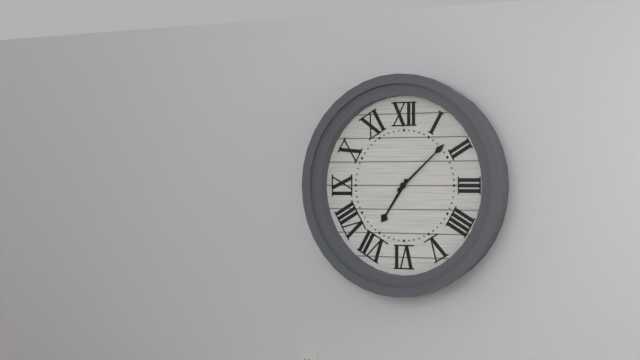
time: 7:08
